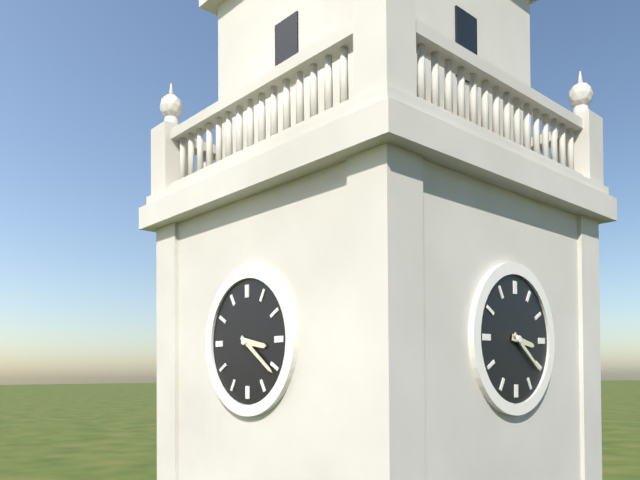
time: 3:21
